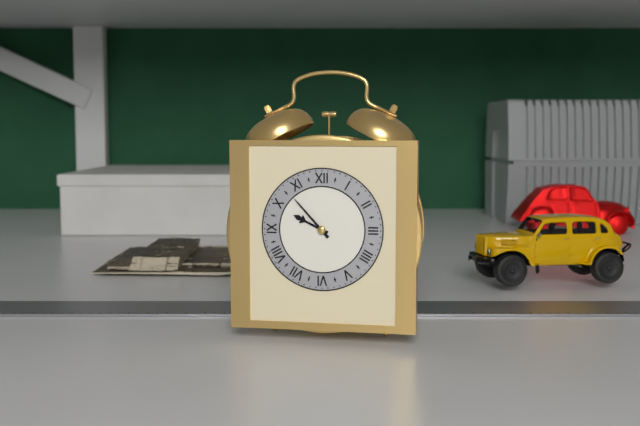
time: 9:53
